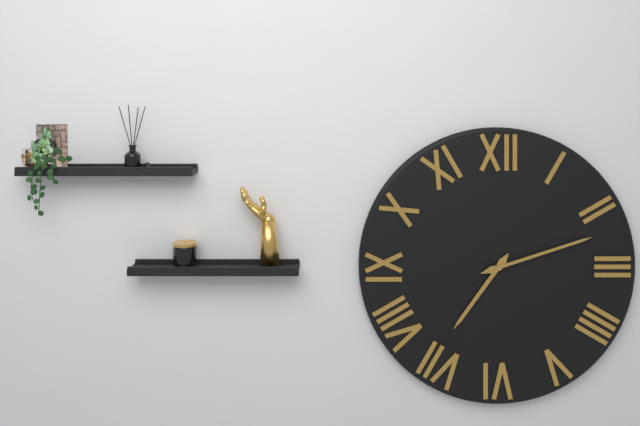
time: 7:12
